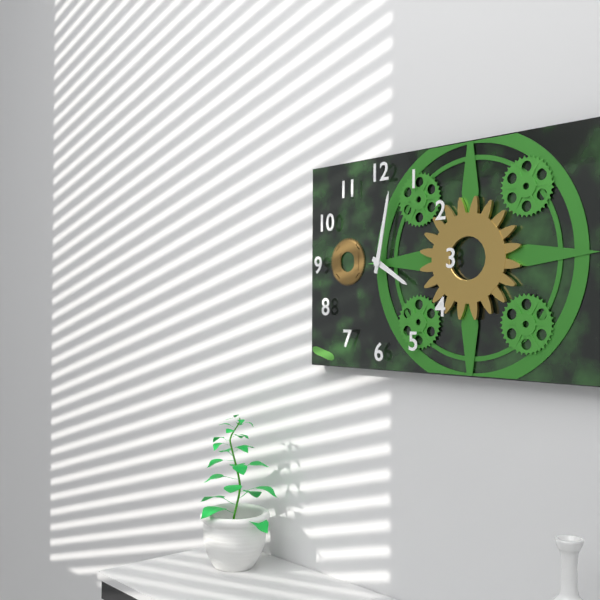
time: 4:02
